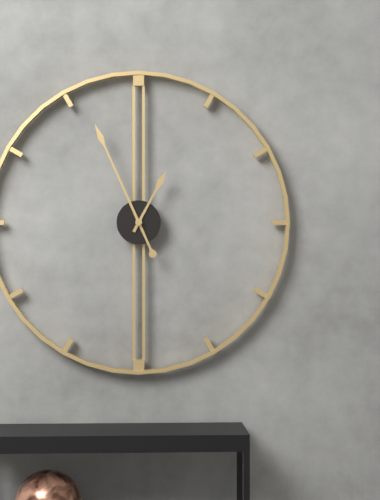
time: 12:56
